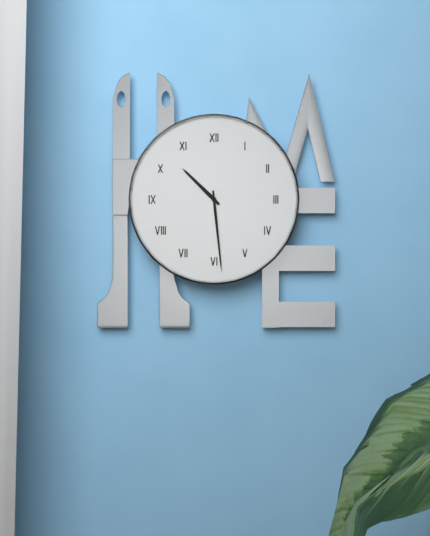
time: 10:29
